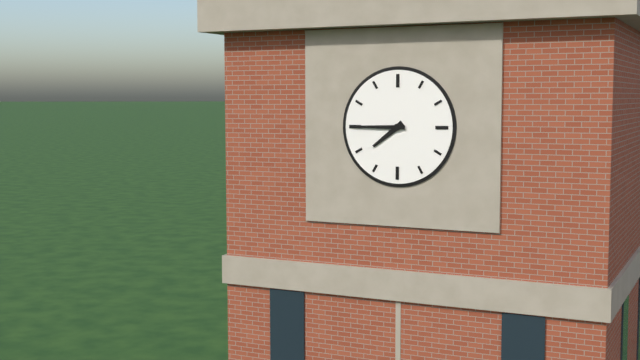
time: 7:45
